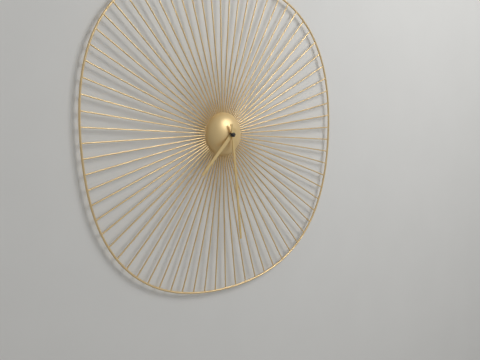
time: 7:29
